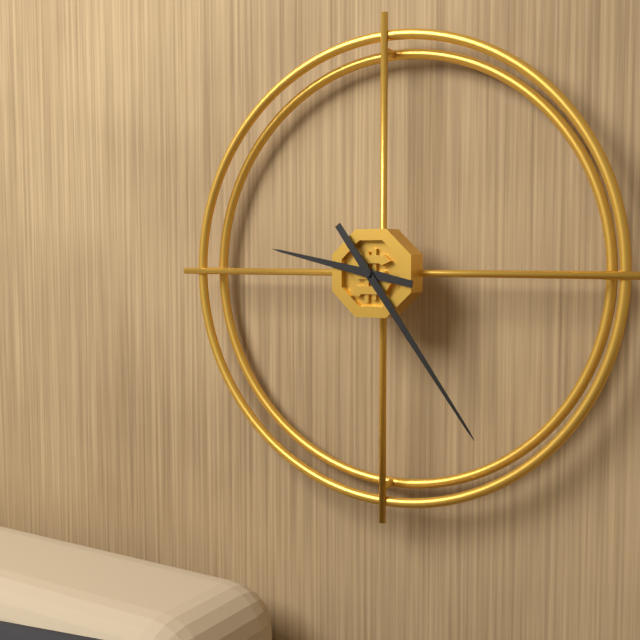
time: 9:24
